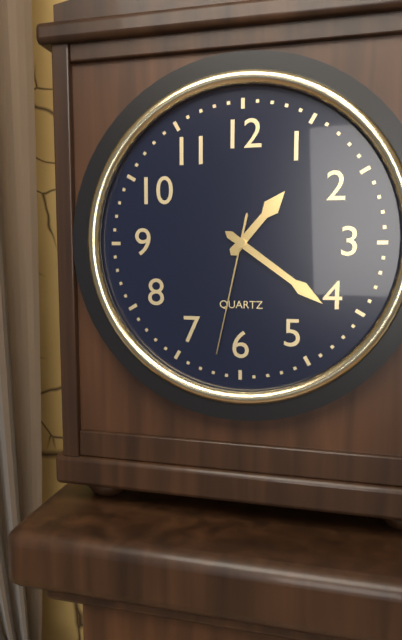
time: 1:21:32
